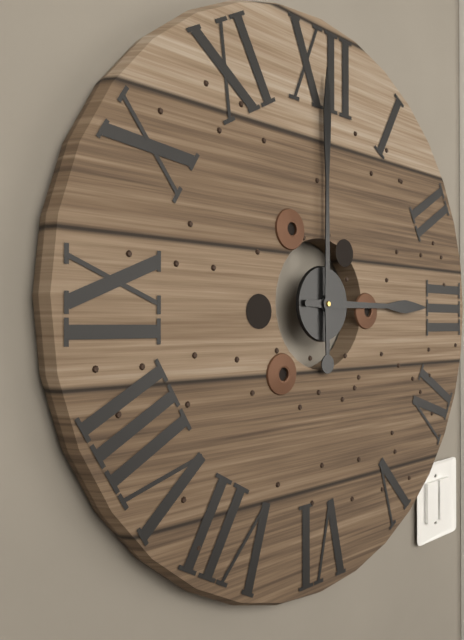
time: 3:00
